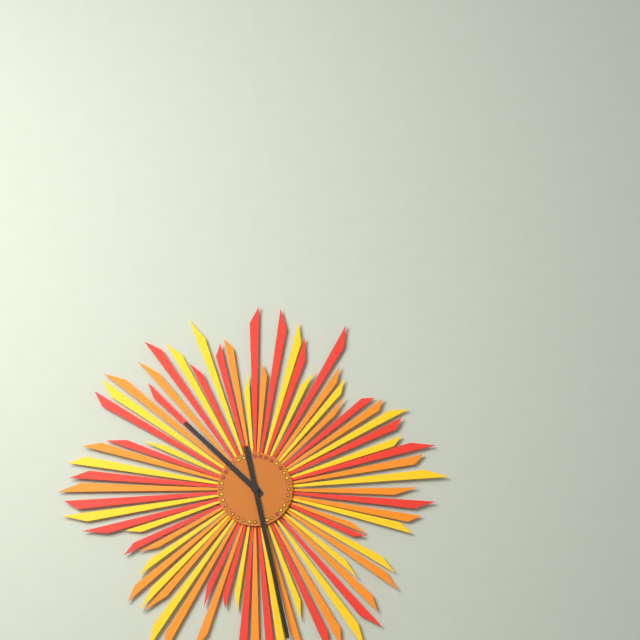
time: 10:28
